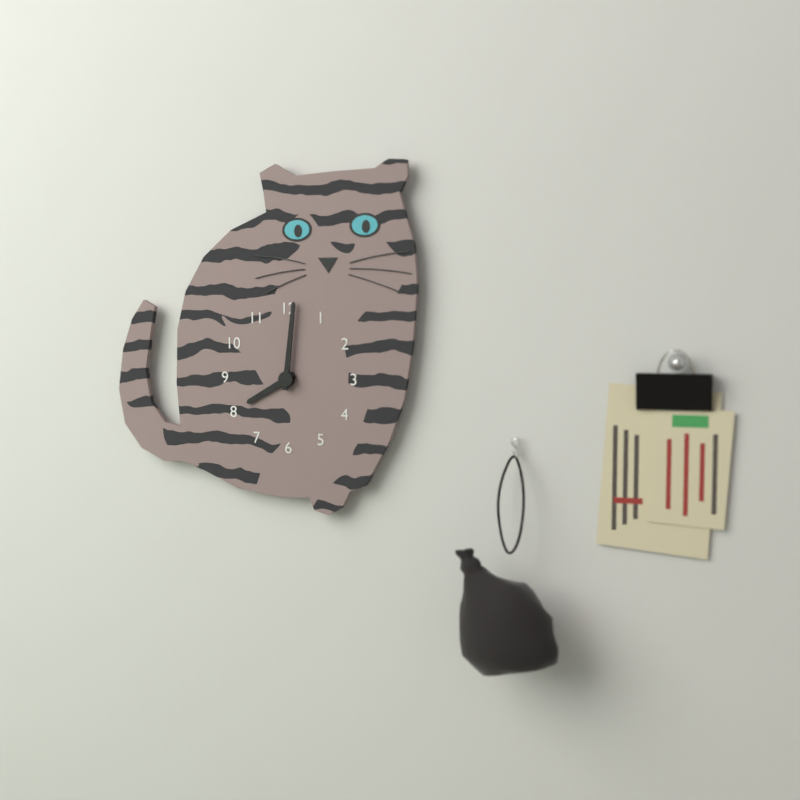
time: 8:01
